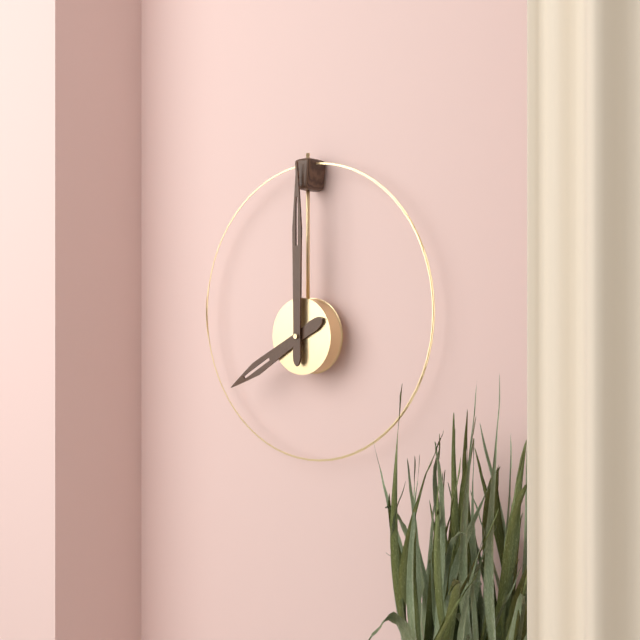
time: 8:00
